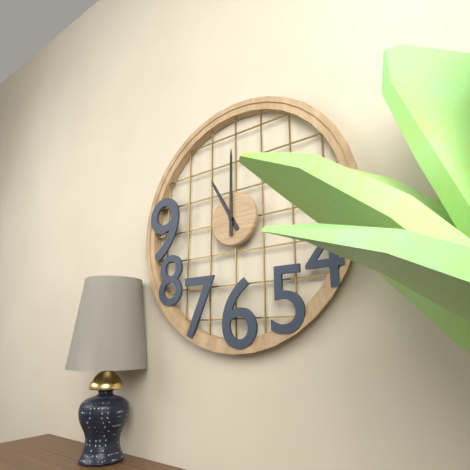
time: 11:00
